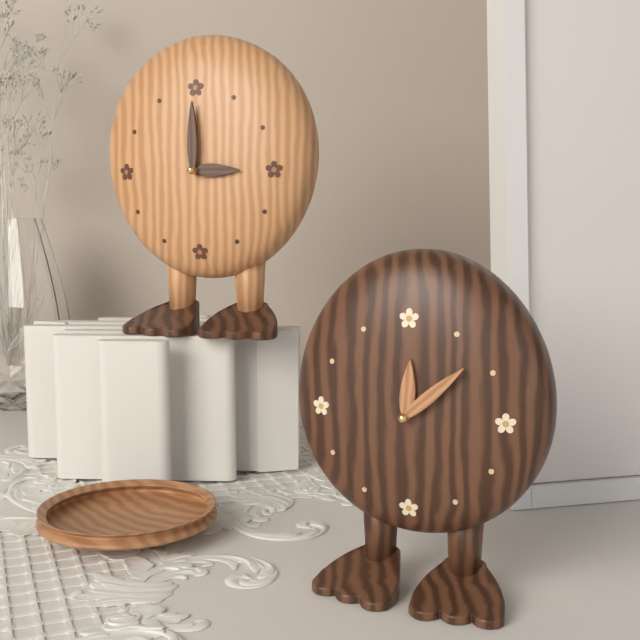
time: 12:08
